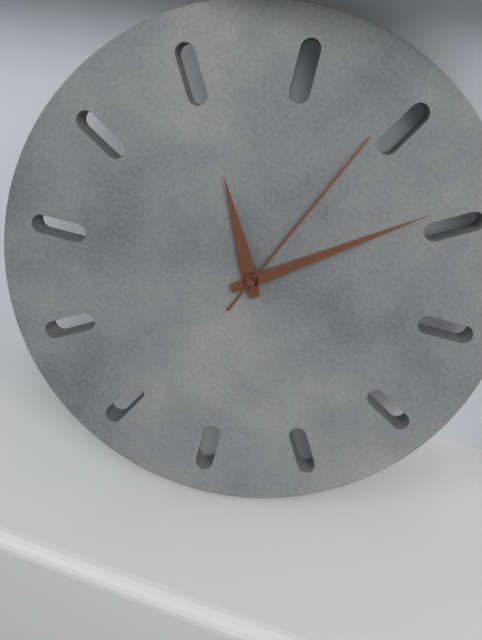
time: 10:04:59
